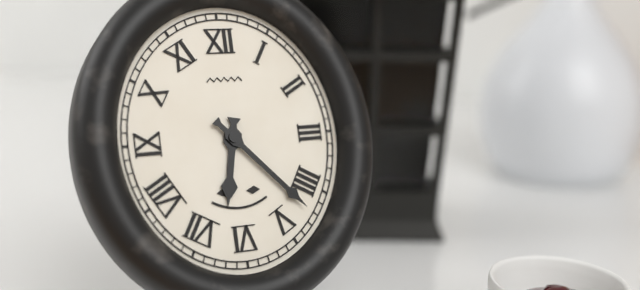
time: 6:23
